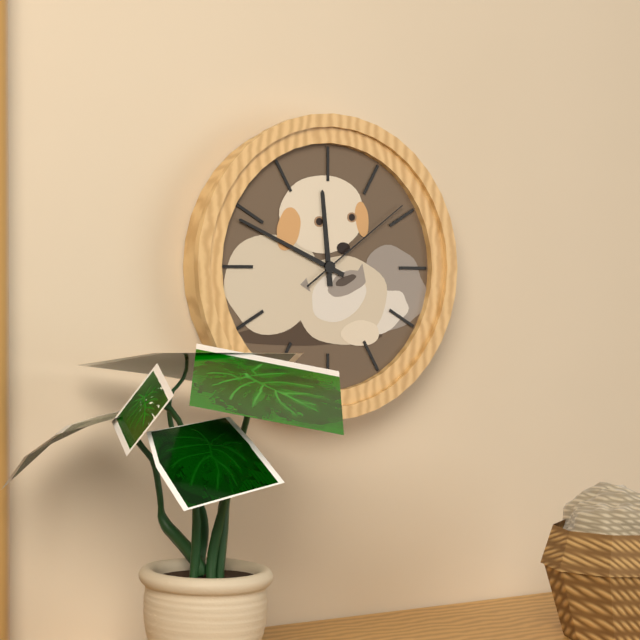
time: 11:49:09
